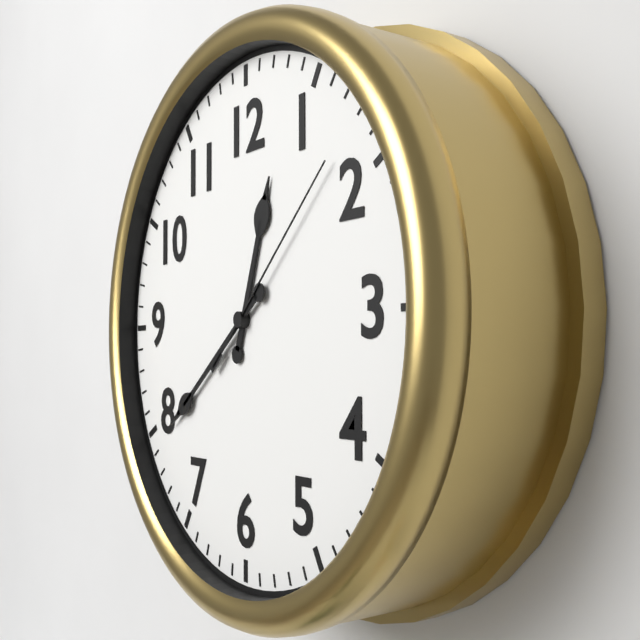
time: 12:39:08
